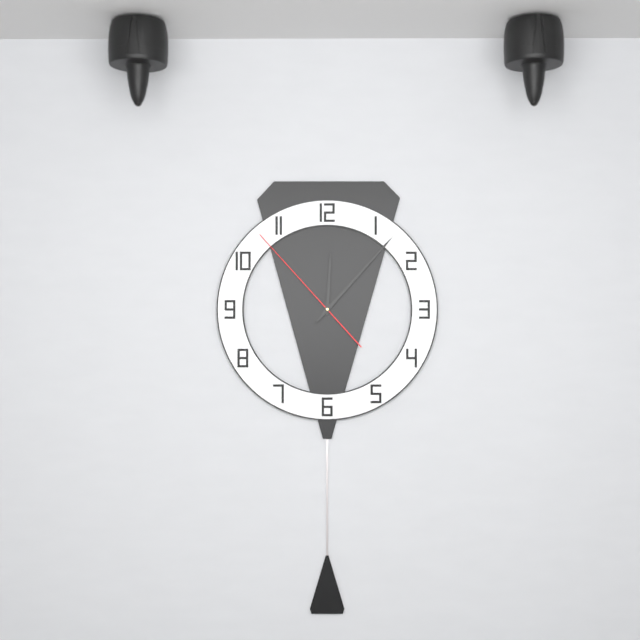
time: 12:07:53
